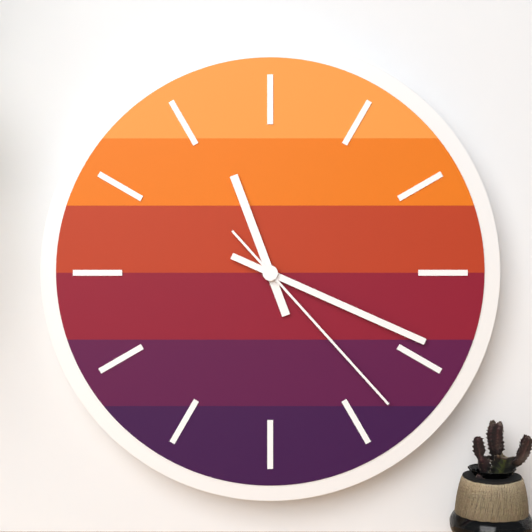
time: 11:19:23
